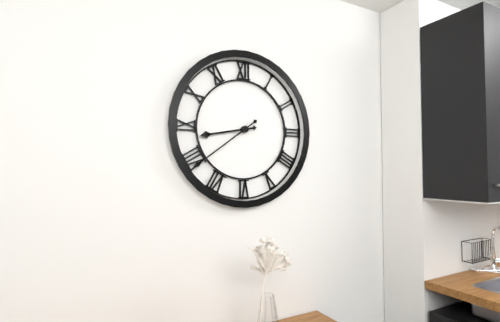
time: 8:39
